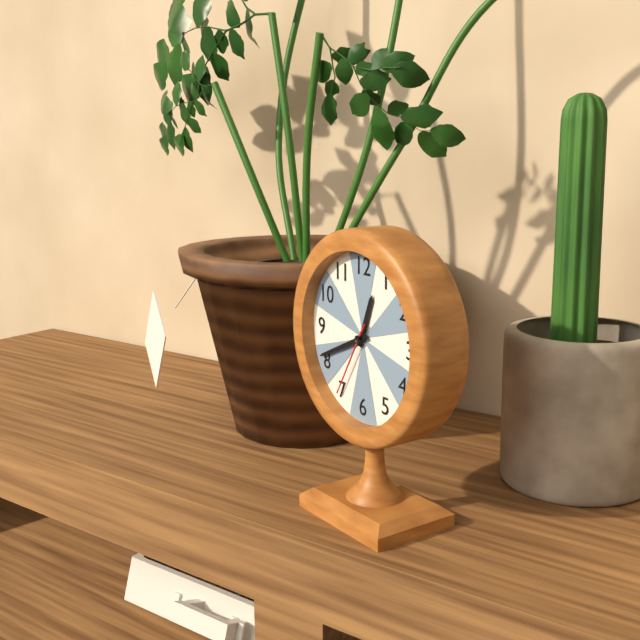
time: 12:41:35
